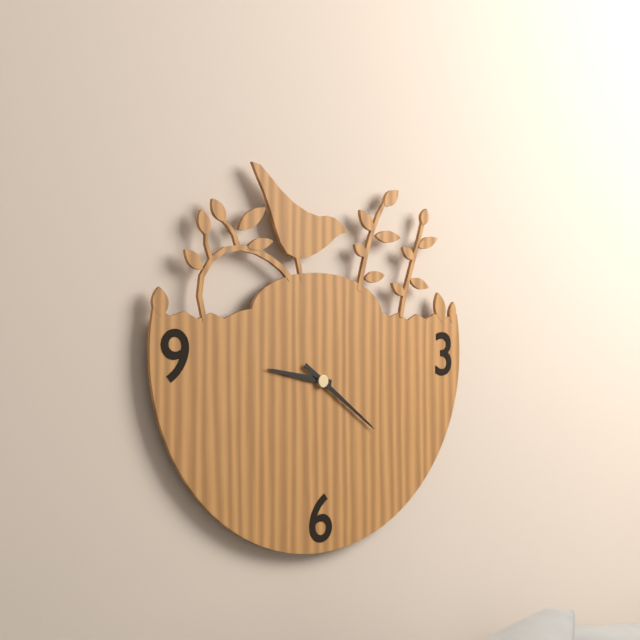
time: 9:21
